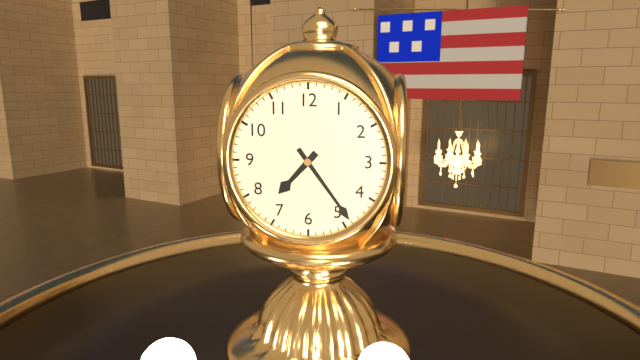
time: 7:24
